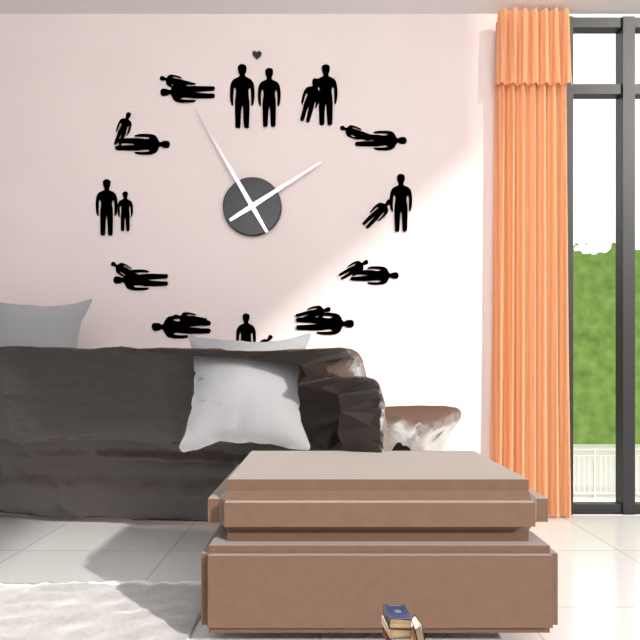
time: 1:55
